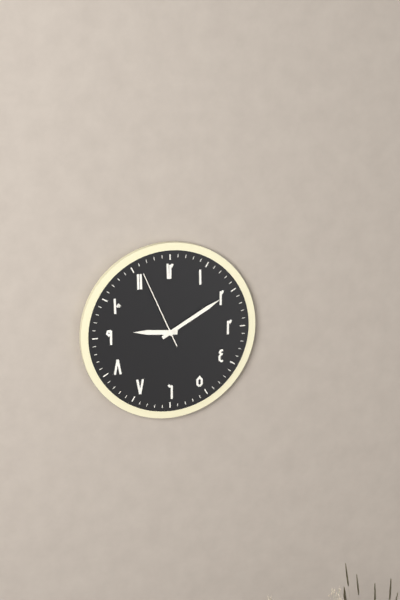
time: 9:10:56
